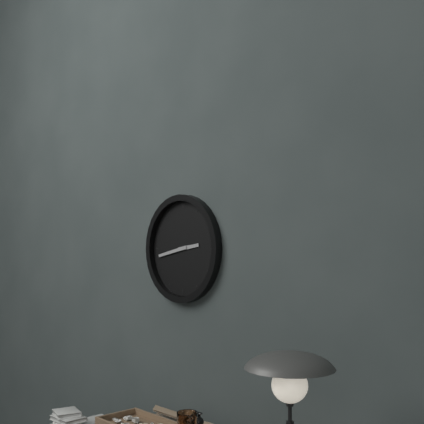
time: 2:43
